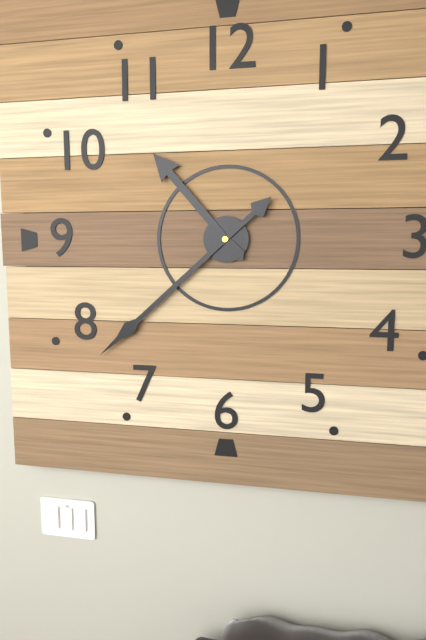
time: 10:38
